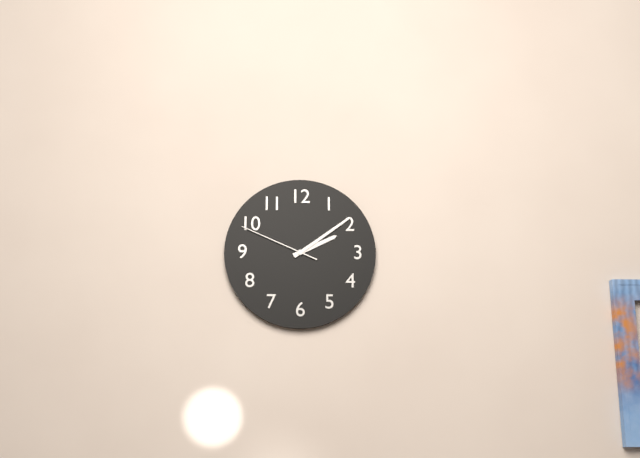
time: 2:09:49
